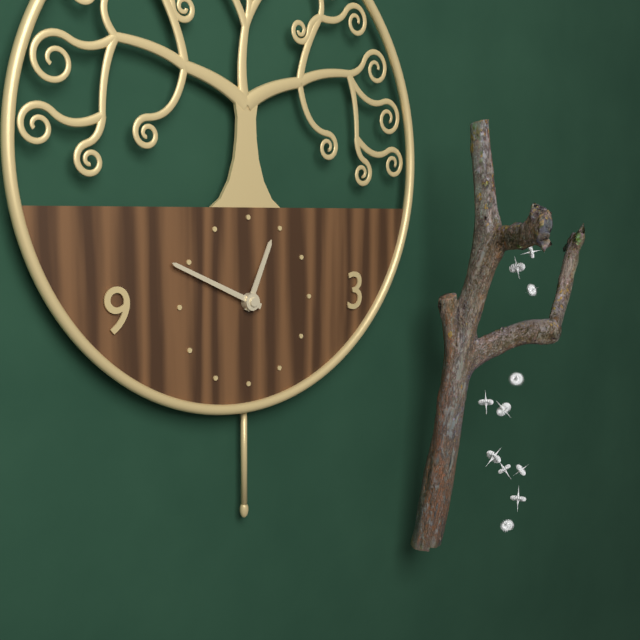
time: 12:49
